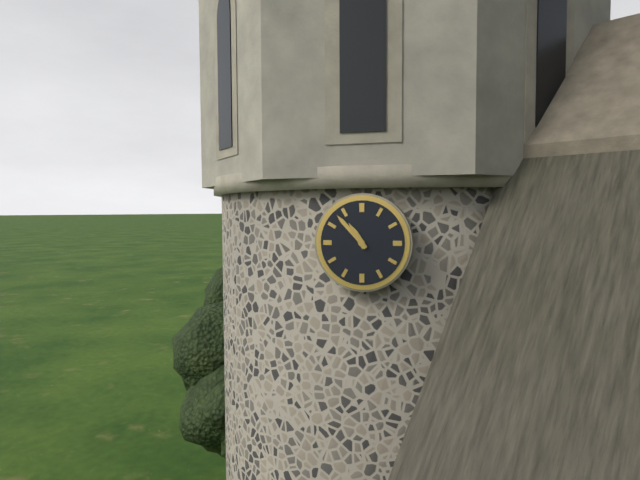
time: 10:53
